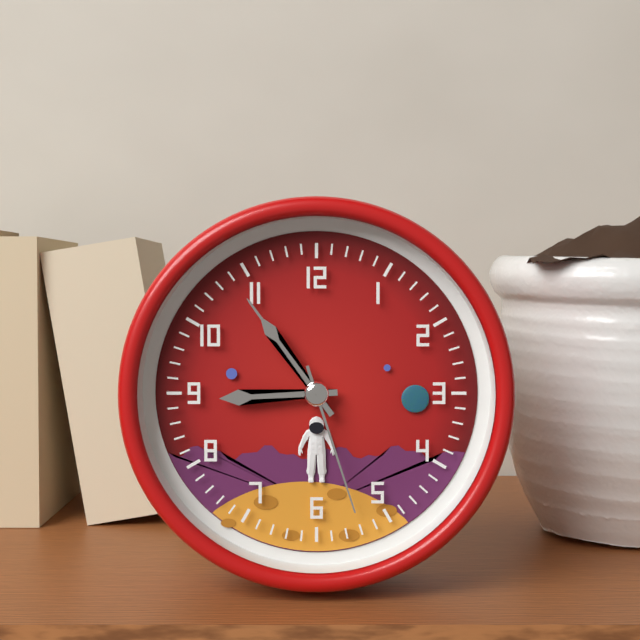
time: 8:54:27
